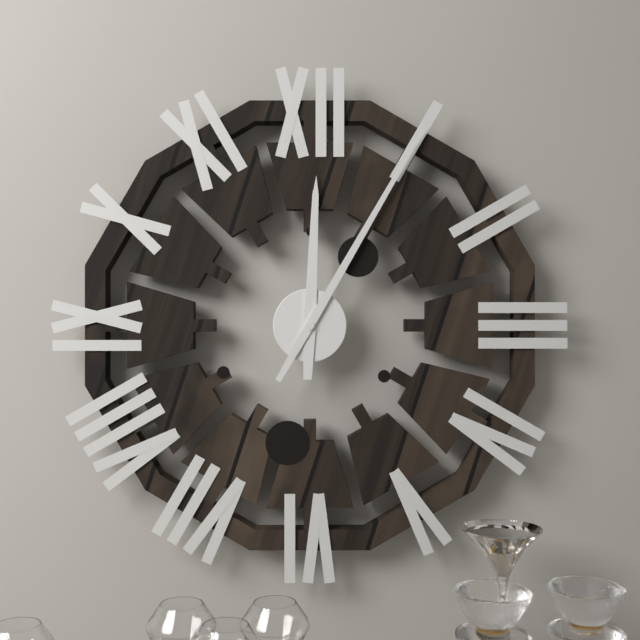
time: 12:05
